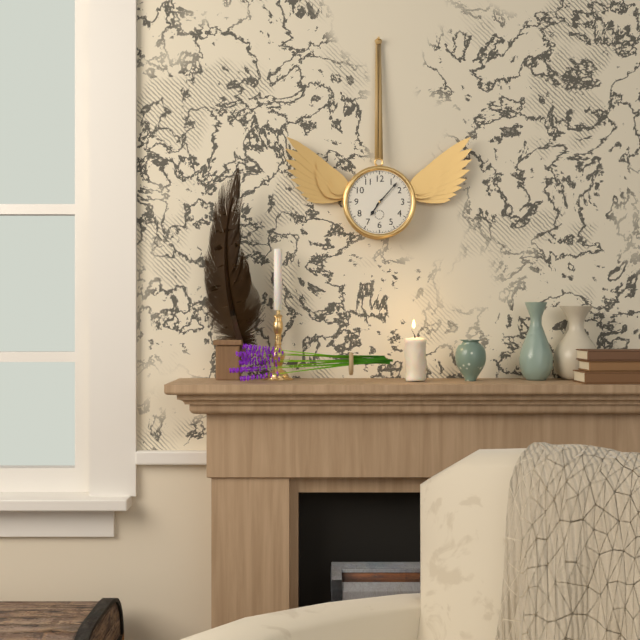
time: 7:07
